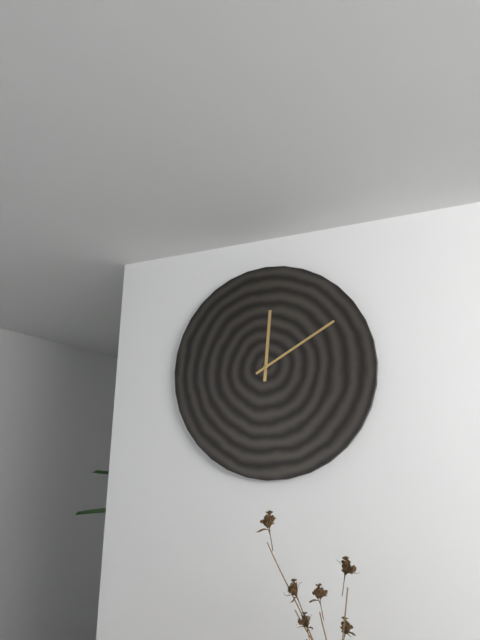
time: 12:10
